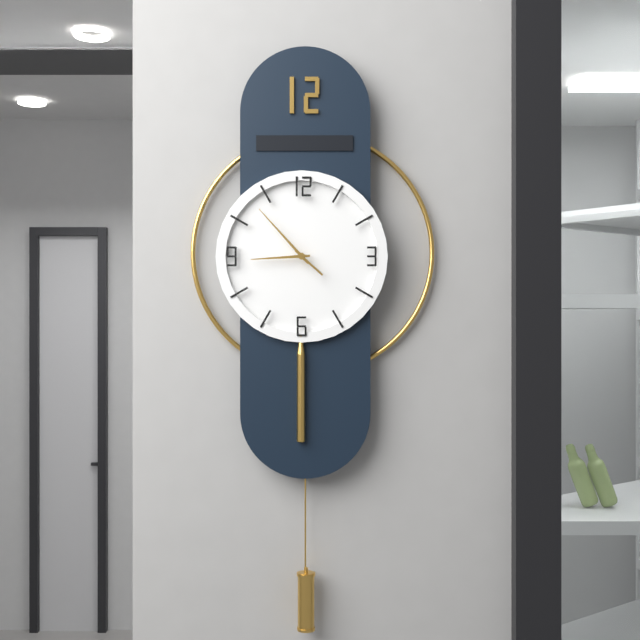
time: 8:53
